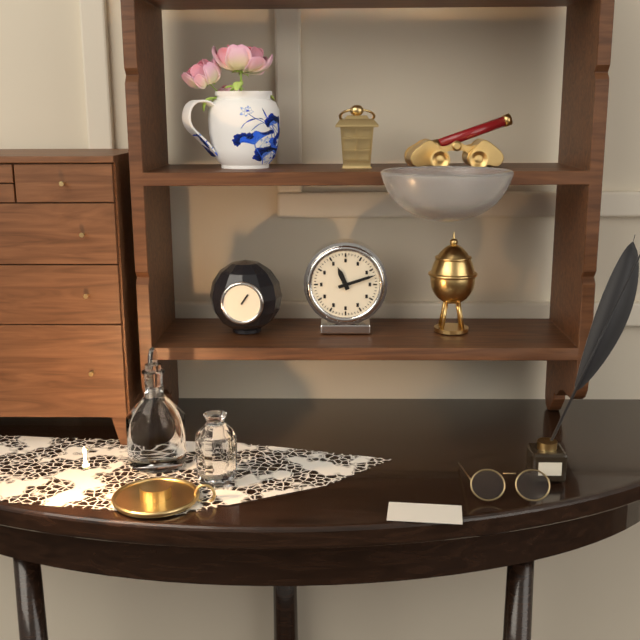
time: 11:12
